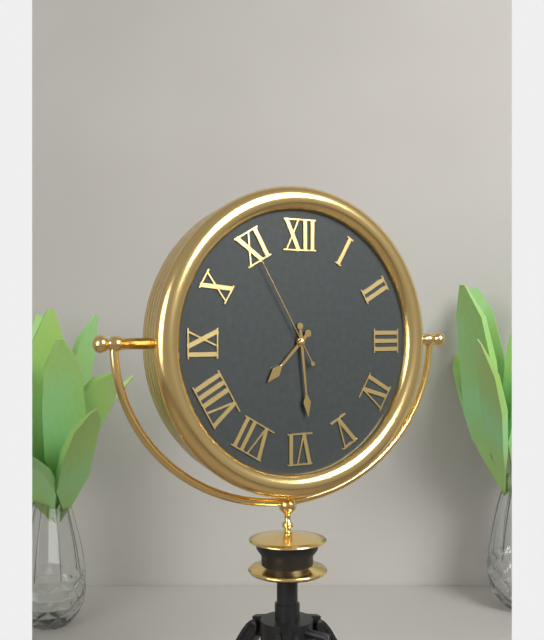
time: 7:29:55
